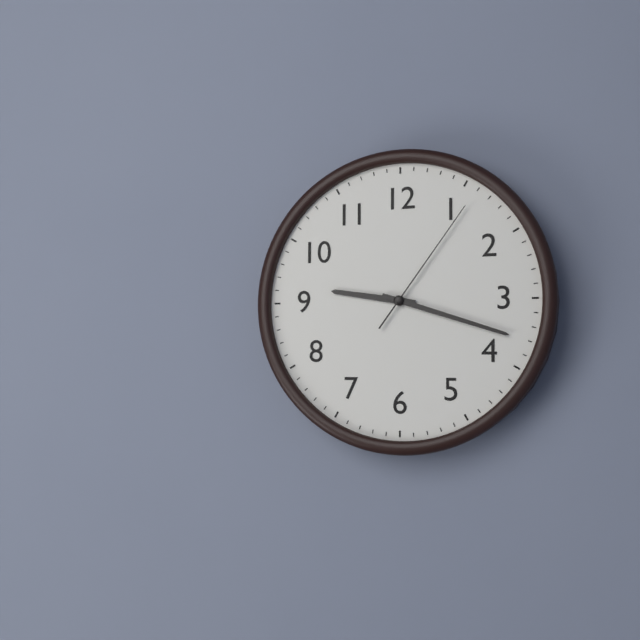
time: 9:18:06
